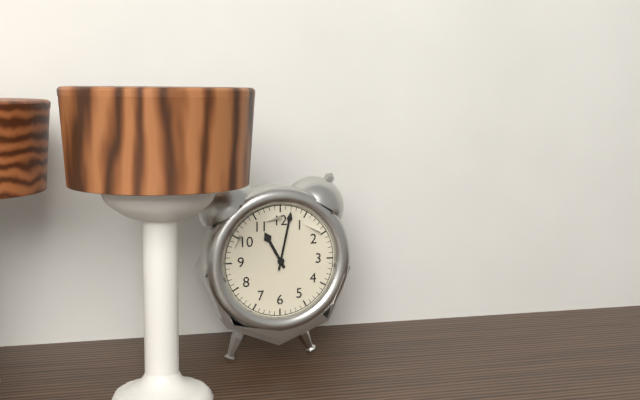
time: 11:02
